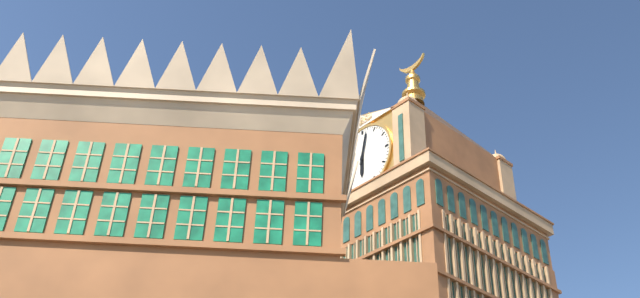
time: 6:02
